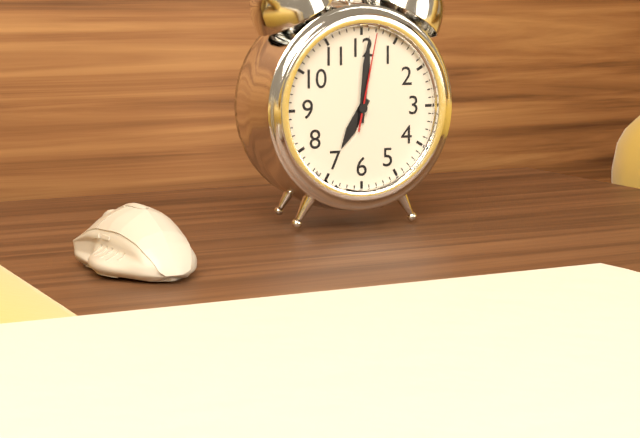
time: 7:01:02
